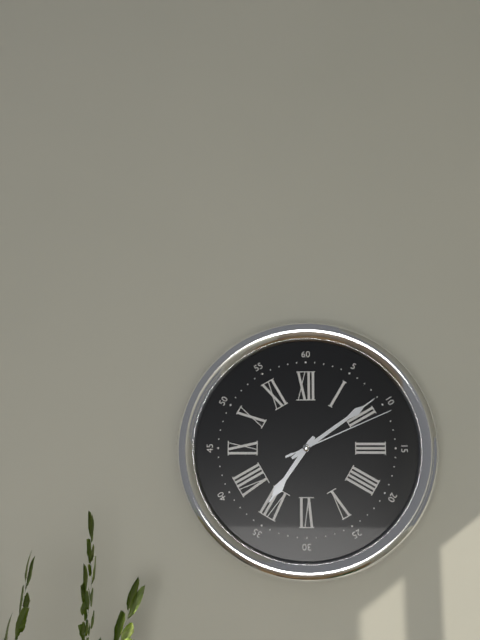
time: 7:09:11
